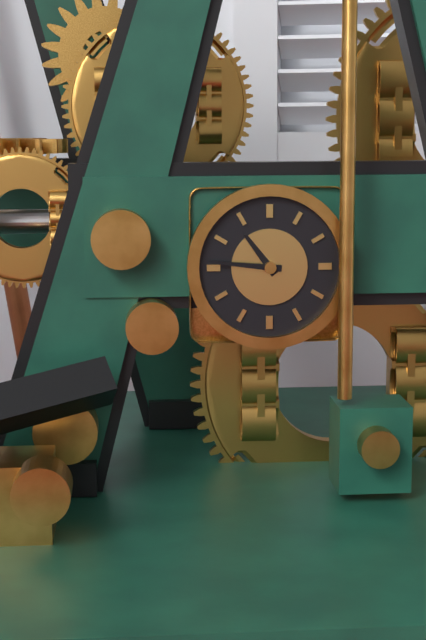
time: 10:46
